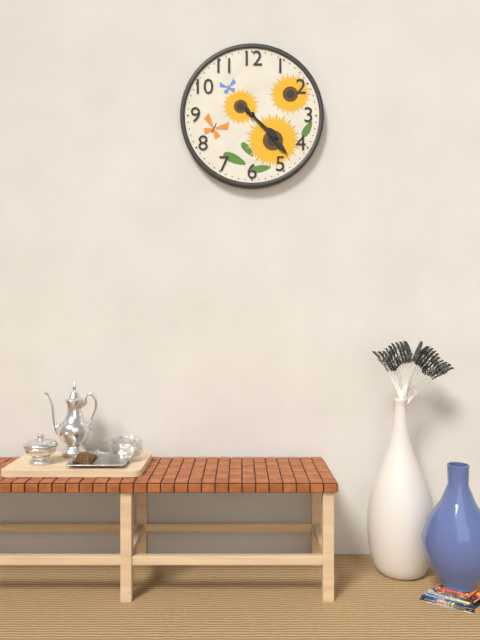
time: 4:23
